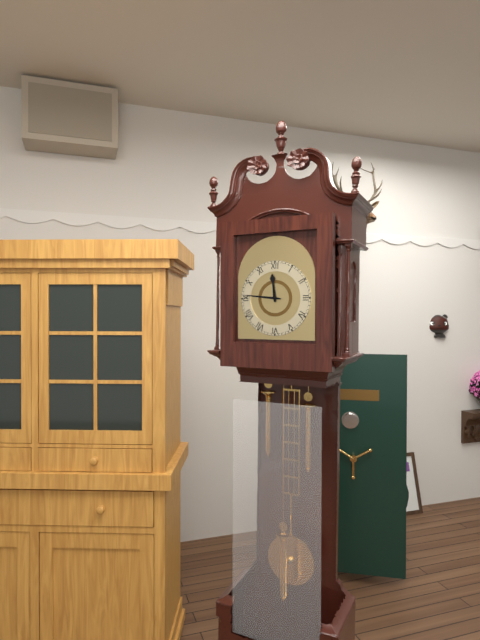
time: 11:46
